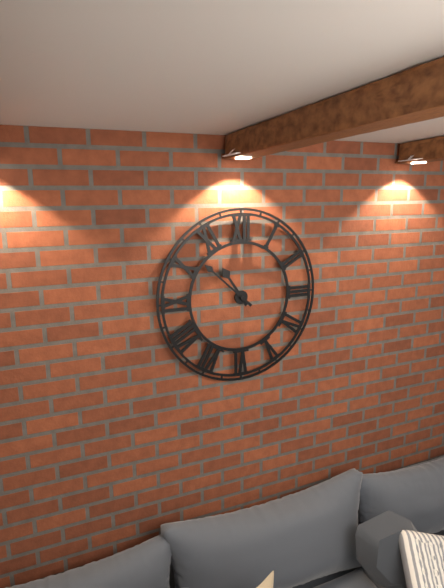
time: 10:52
